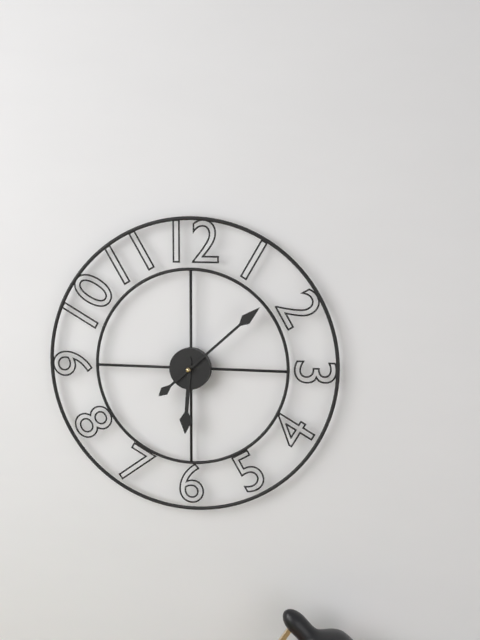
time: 6:08
